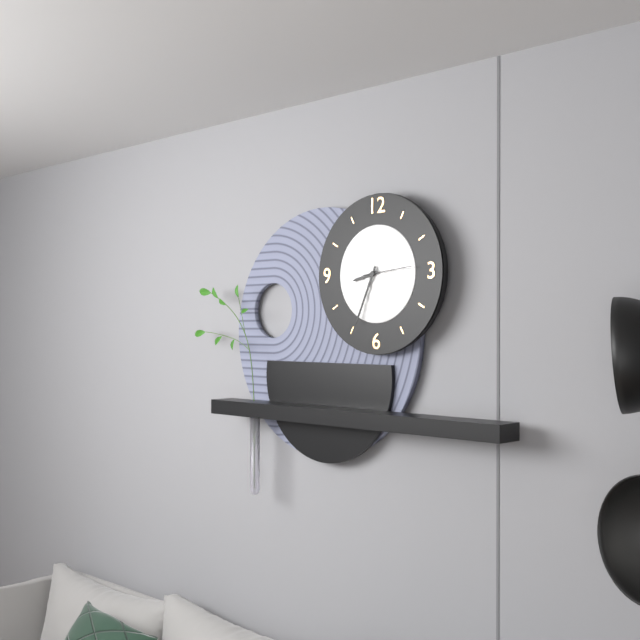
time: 8:34
